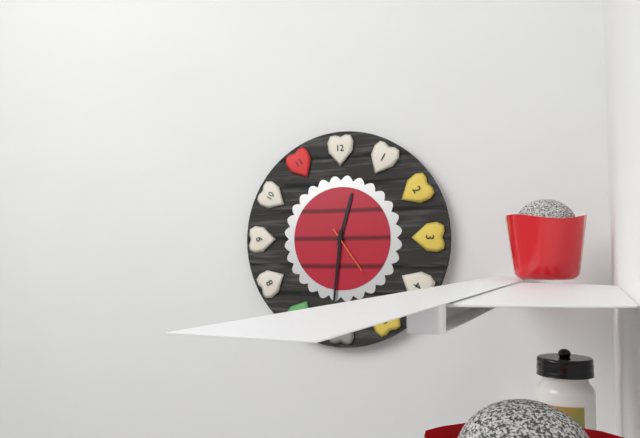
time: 12:31:24
